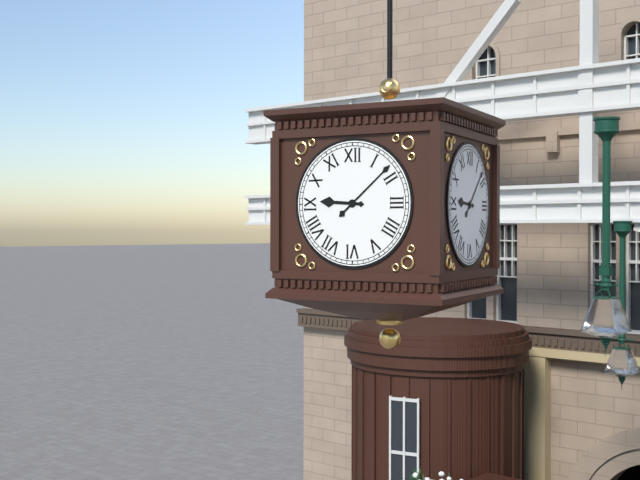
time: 9:08
